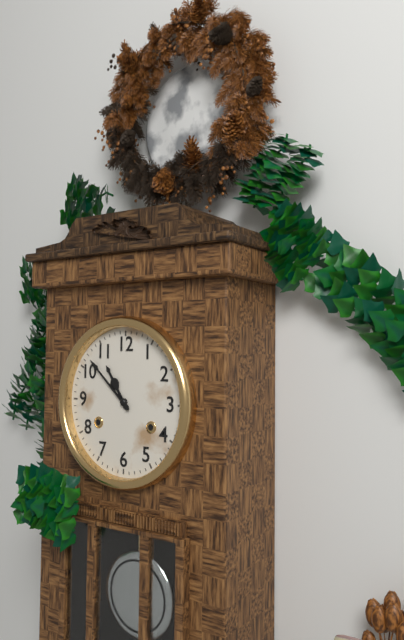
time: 10:52
